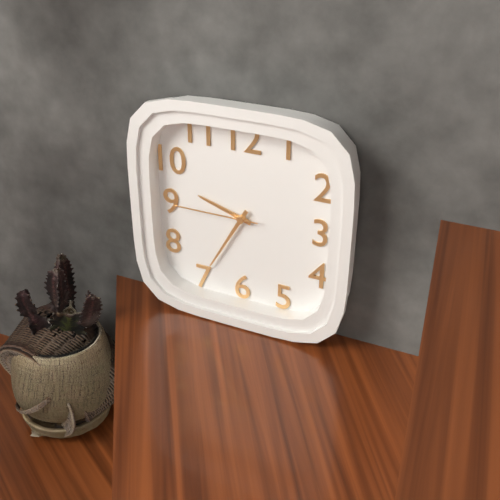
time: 9:35:45
